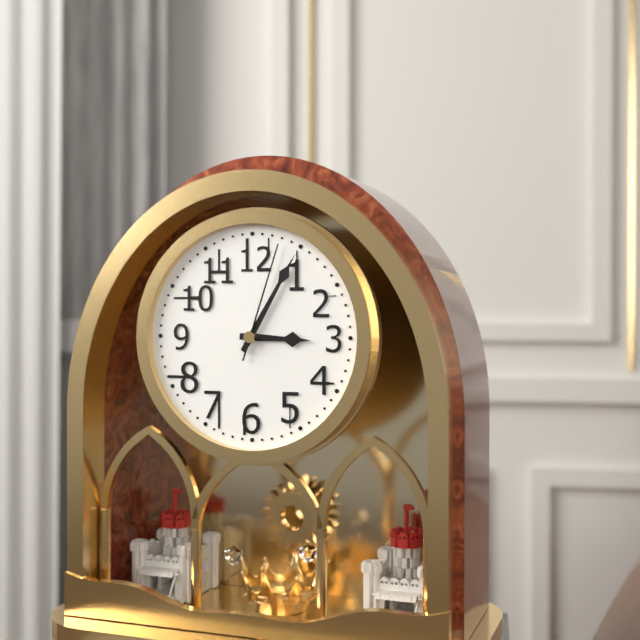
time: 3:05:03
